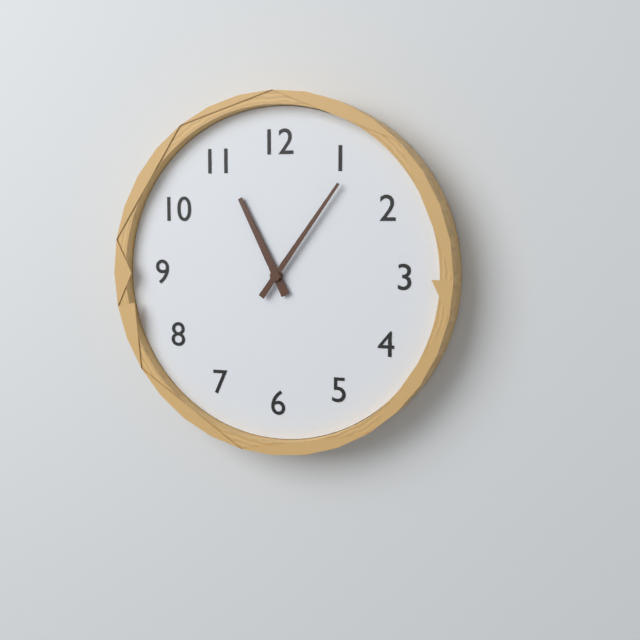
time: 11:06
